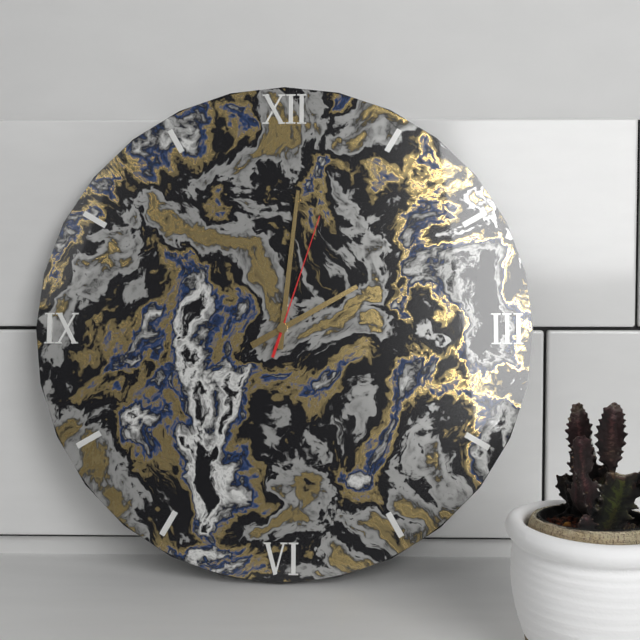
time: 2:01:03
